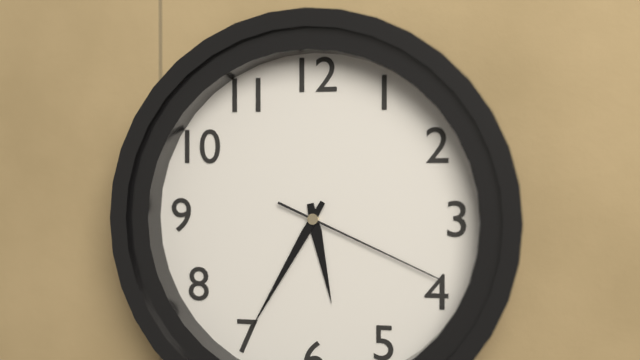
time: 5:35:19
